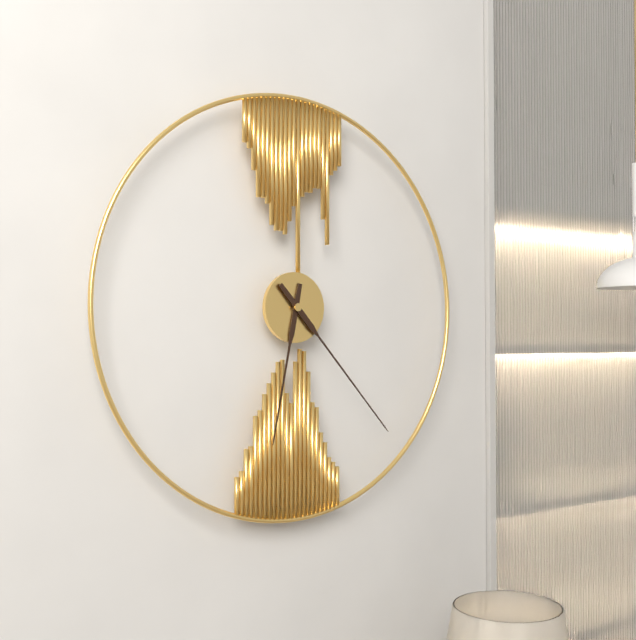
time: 6:23
